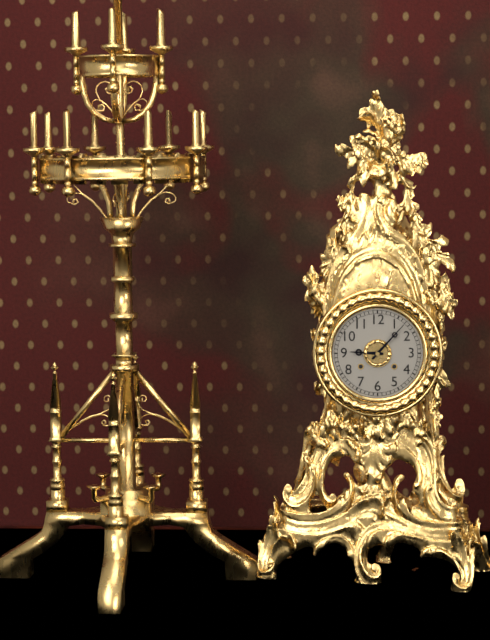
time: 9:07
